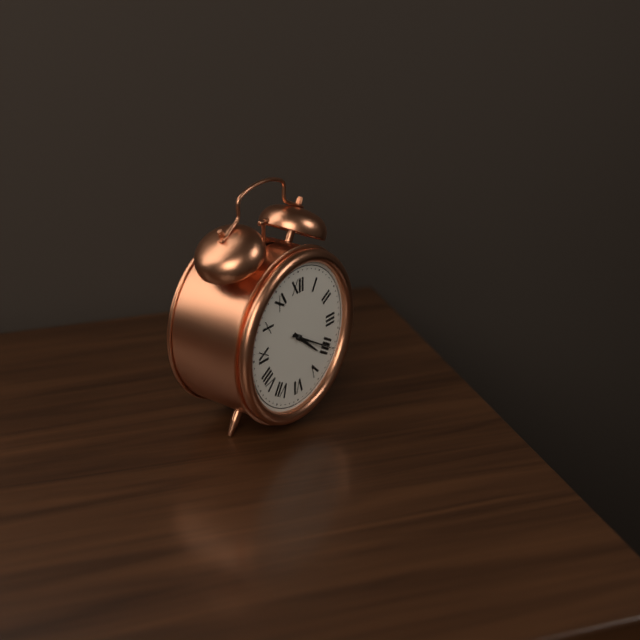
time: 4:20
